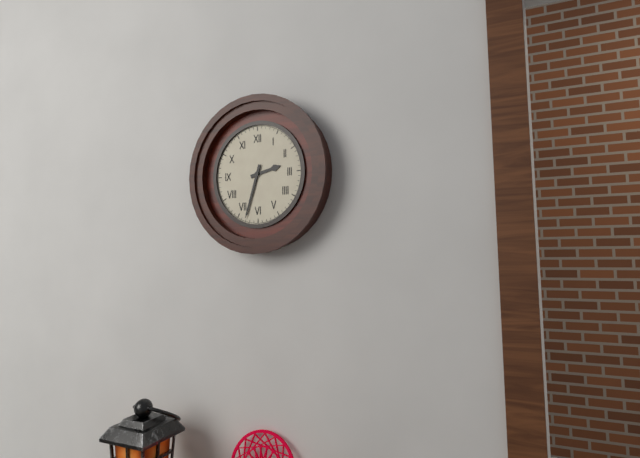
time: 2:33
